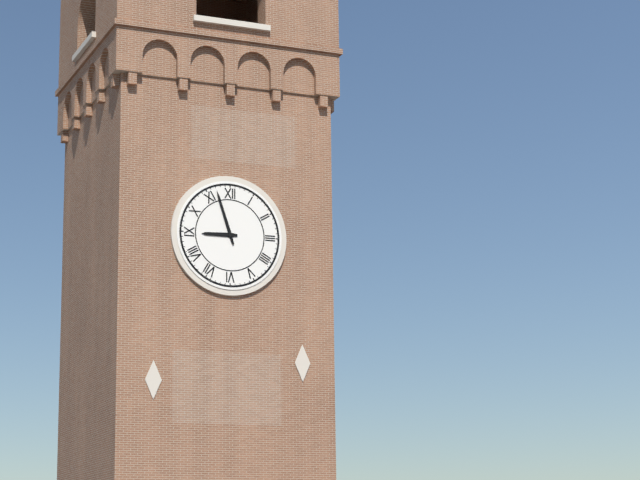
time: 8:57
